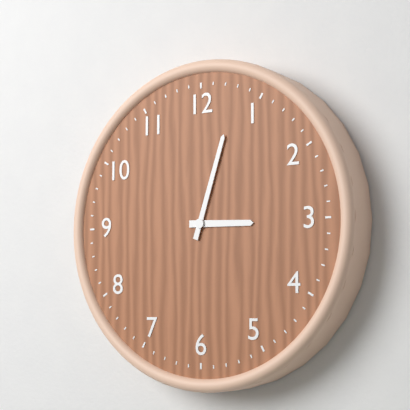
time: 3:03
